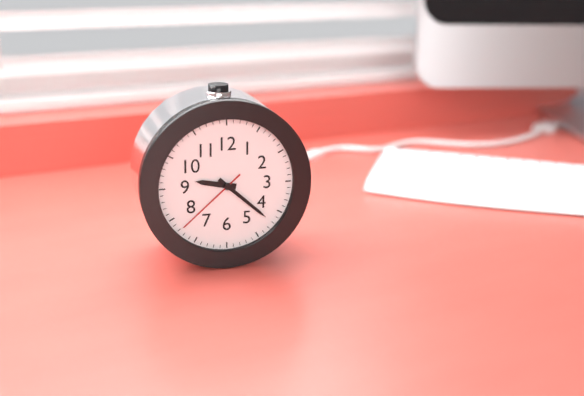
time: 9:22:38
